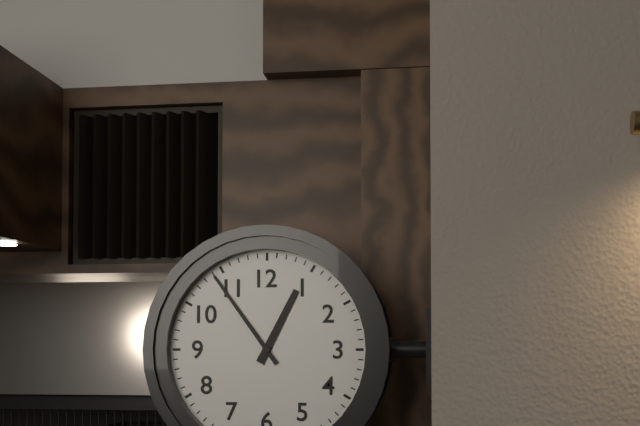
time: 12:54
